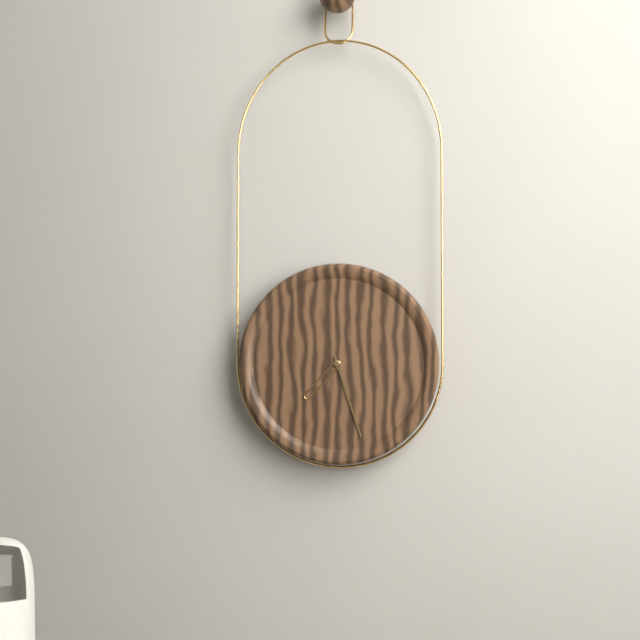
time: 7:27
